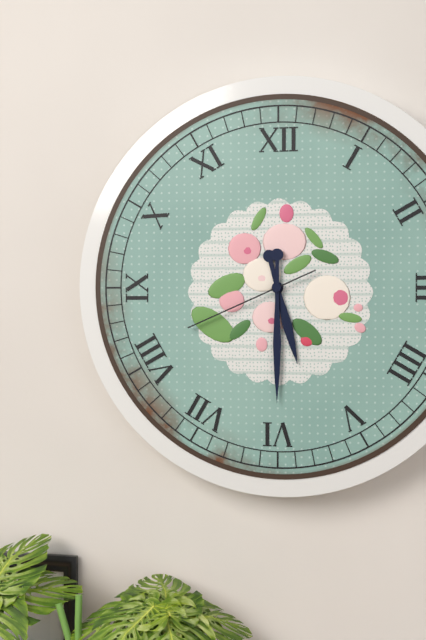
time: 5:30:41
